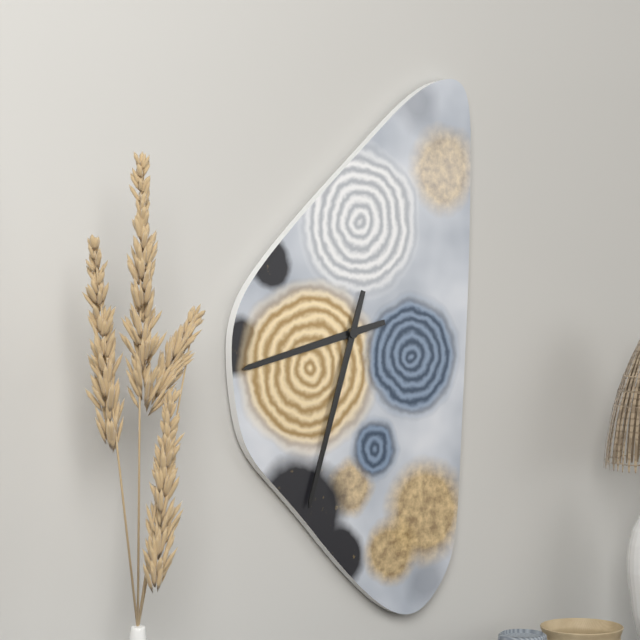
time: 8:33
